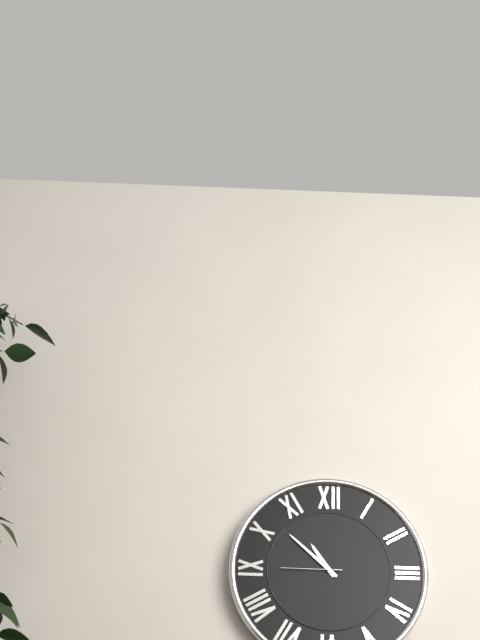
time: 10:52:45
